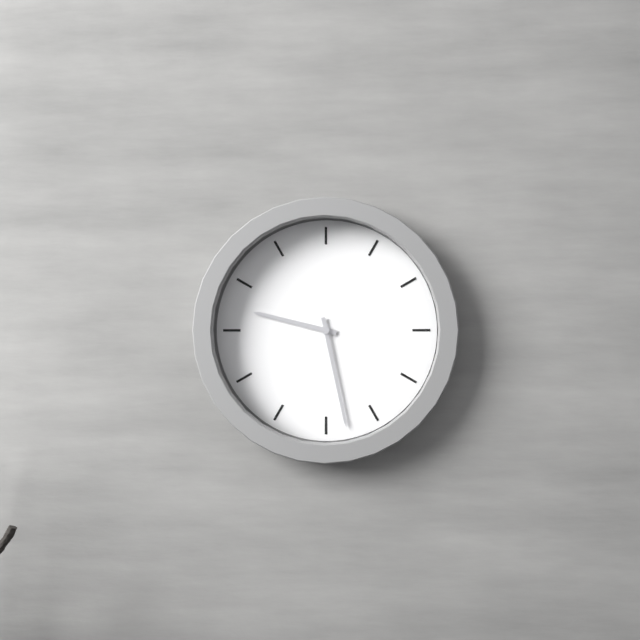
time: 9:28
